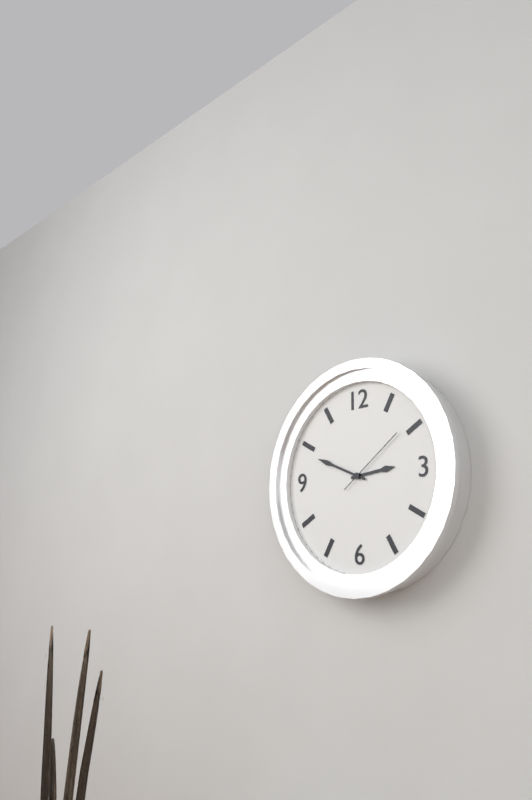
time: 2:49:09
